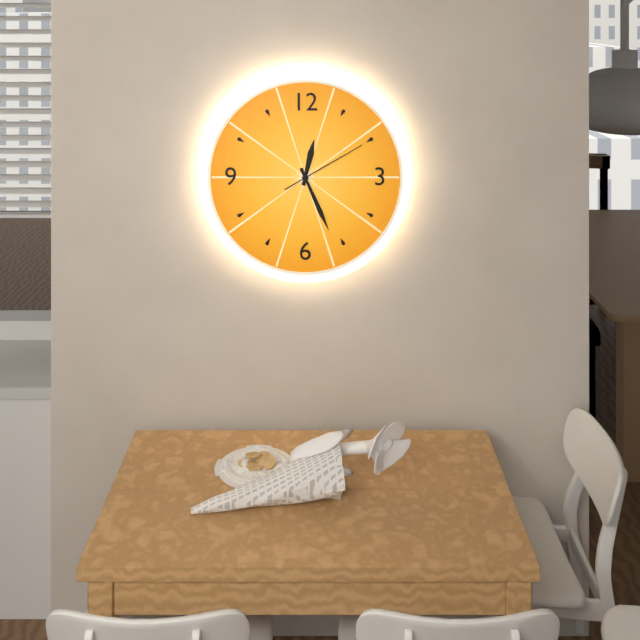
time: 12:26:10
